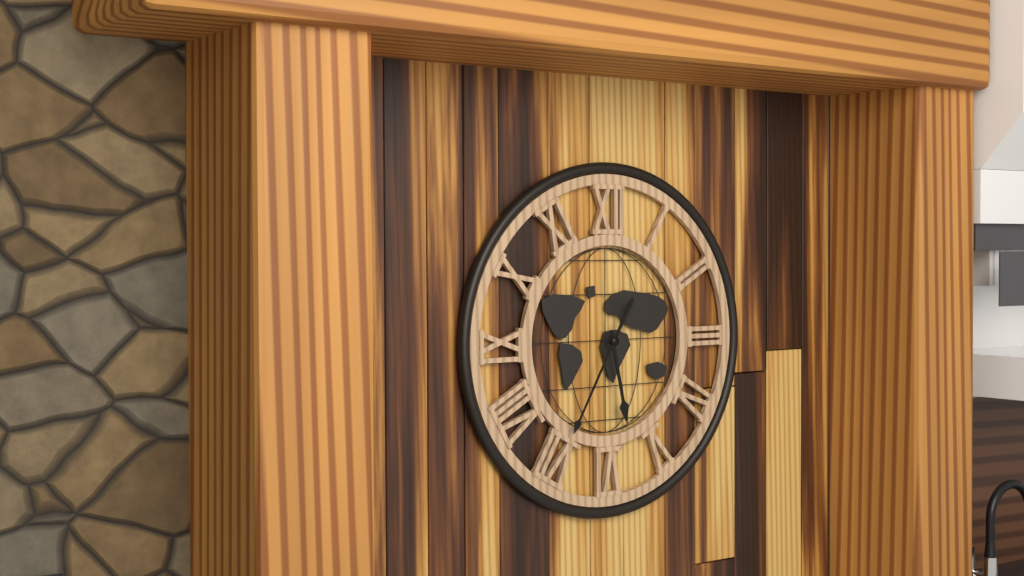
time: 5:35
